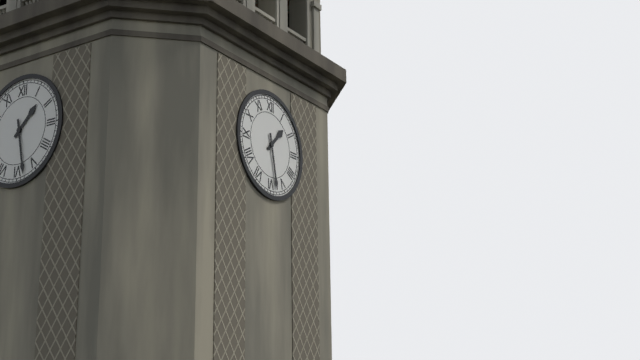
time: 1:28
